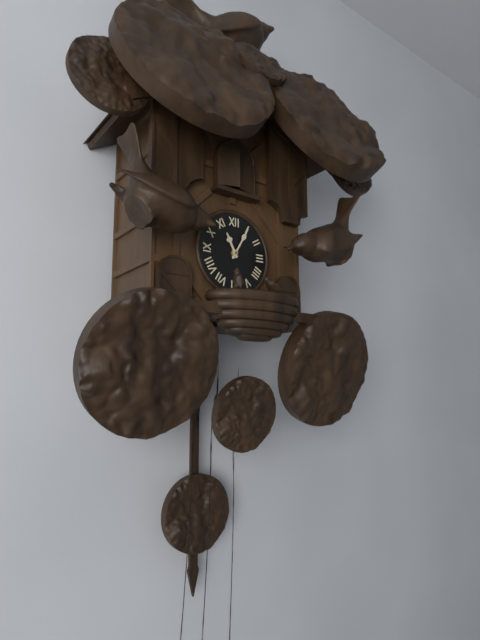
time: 11:05
